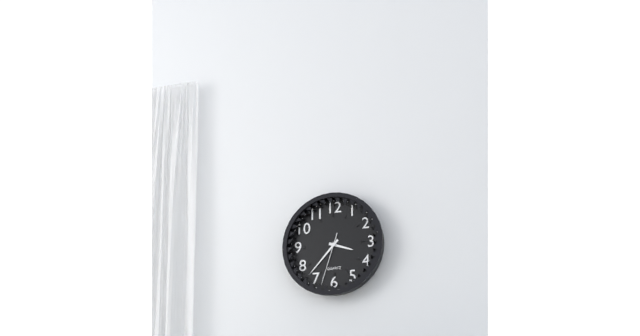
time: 3:37:33
